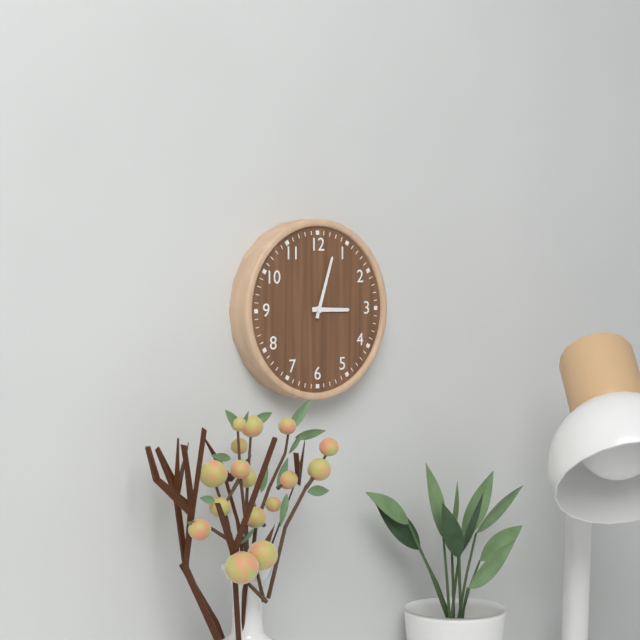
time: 3:03
